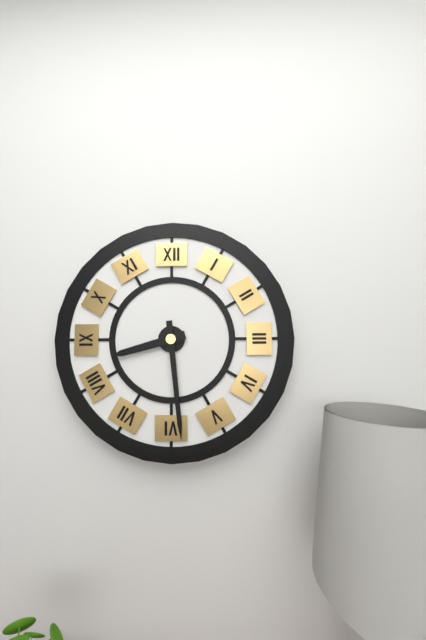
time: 8:29
